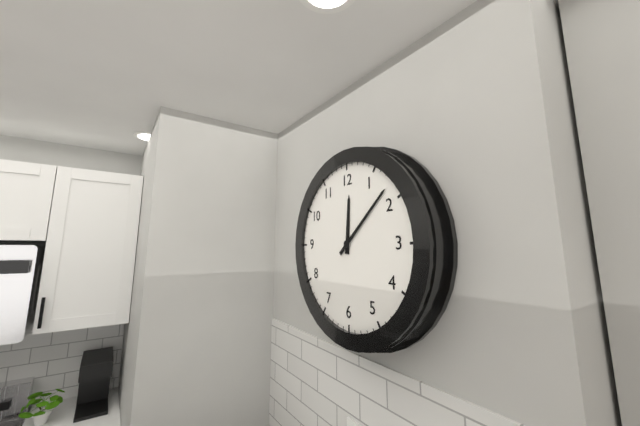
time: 12:08
